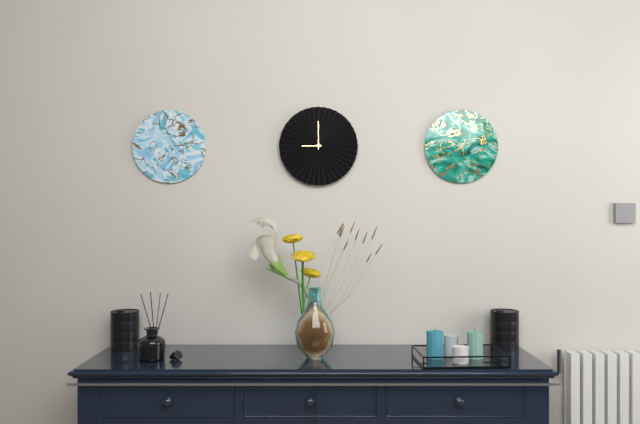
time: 9:00
